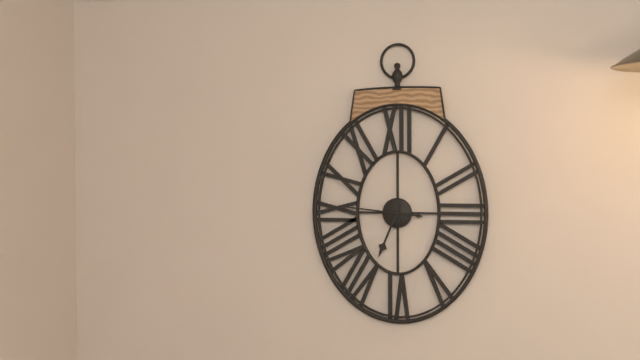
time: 6:46
